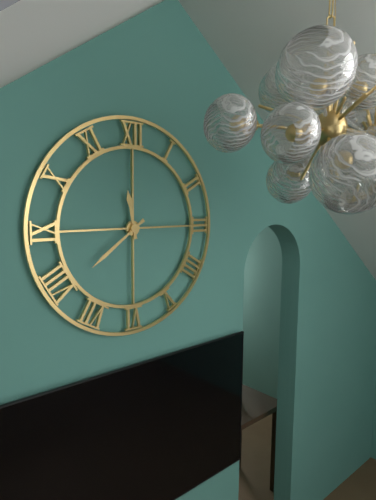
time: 11:39
